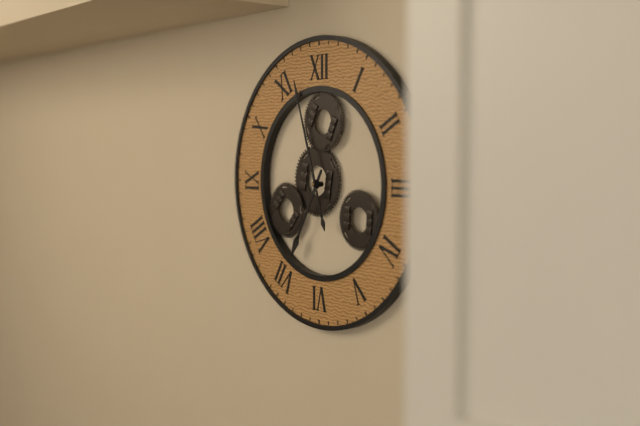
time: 6:57
